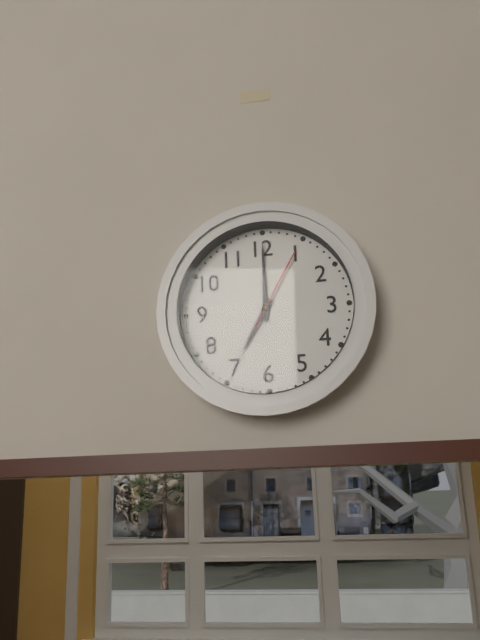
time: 7:00:05
